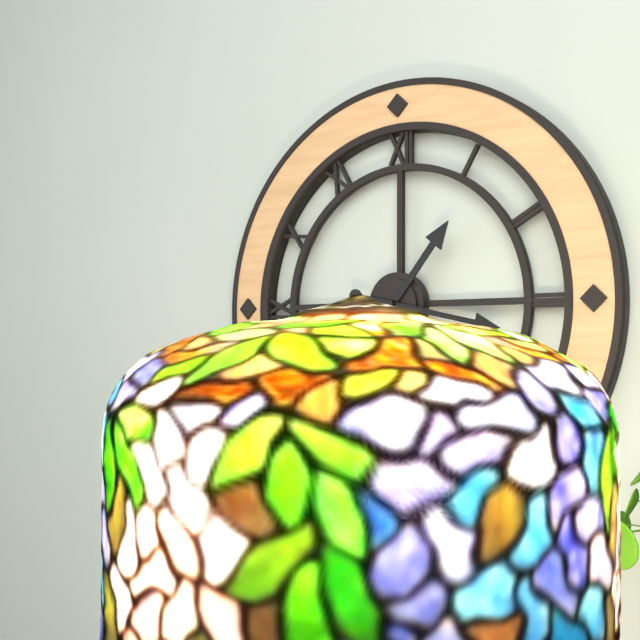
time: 1:17
